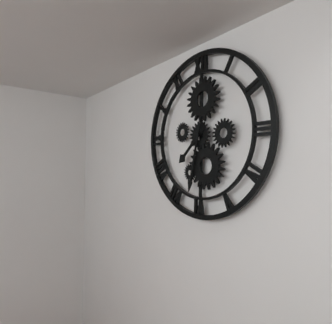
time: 7:32
